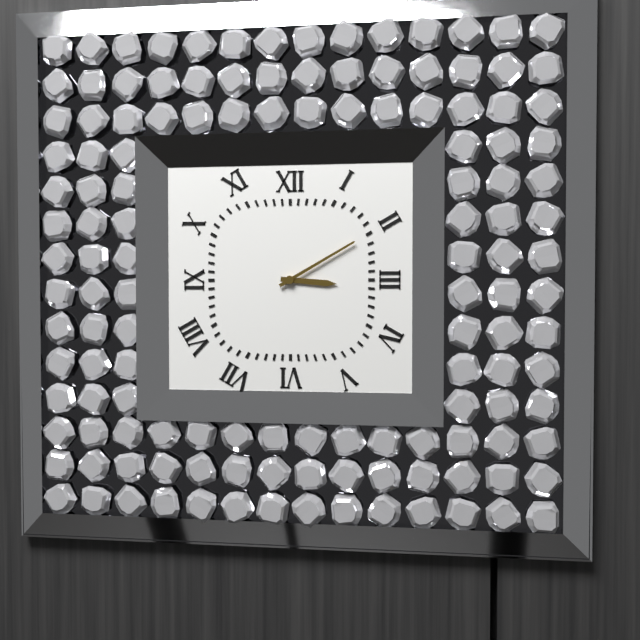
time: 3:10
